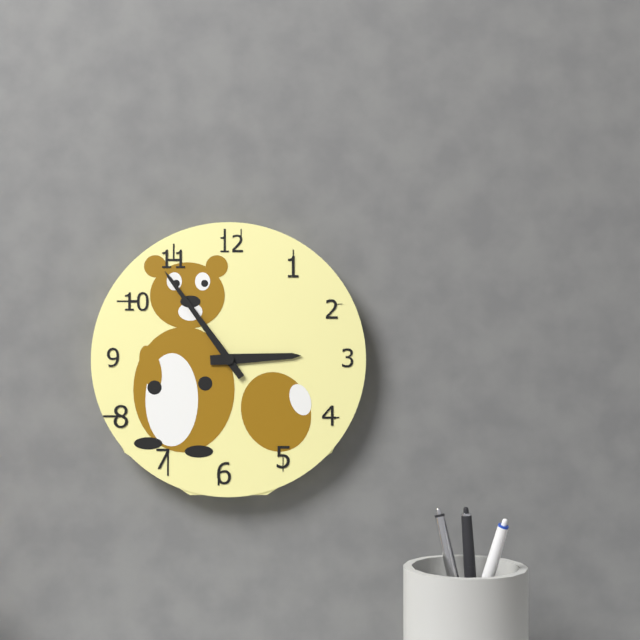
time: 2:54
